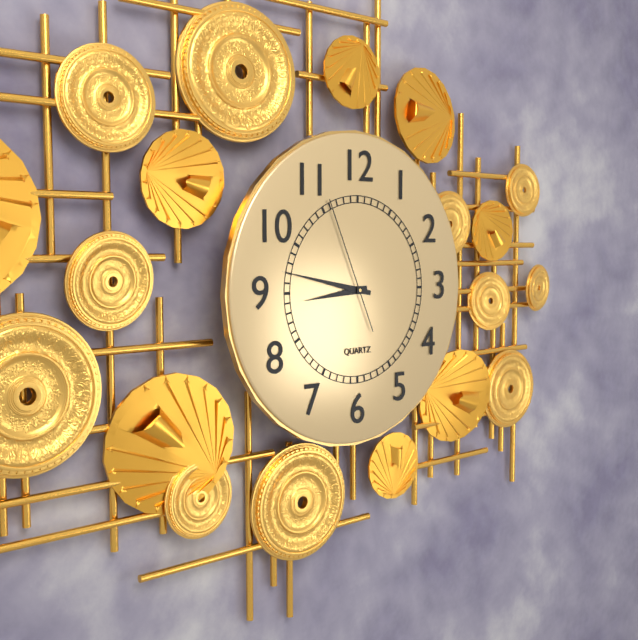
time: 8:47:56
